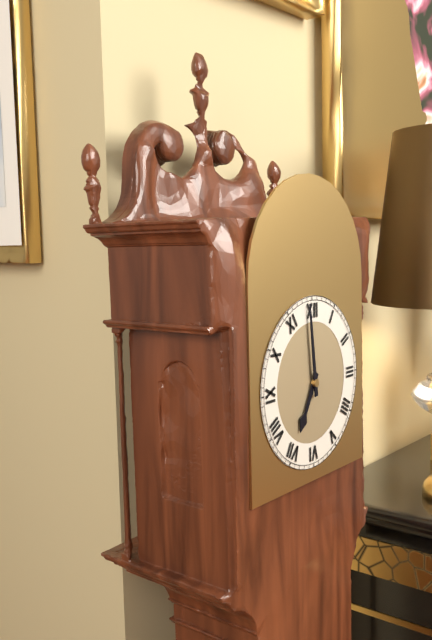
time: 6:59
